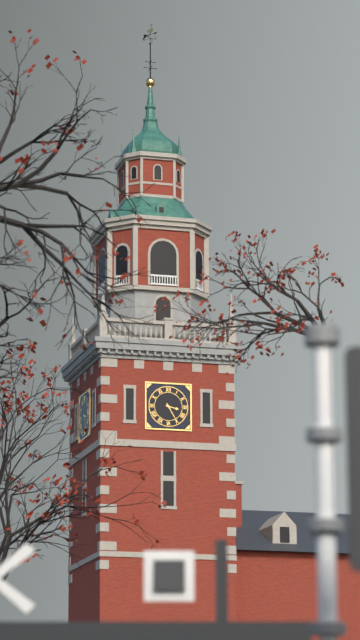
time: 3:25
